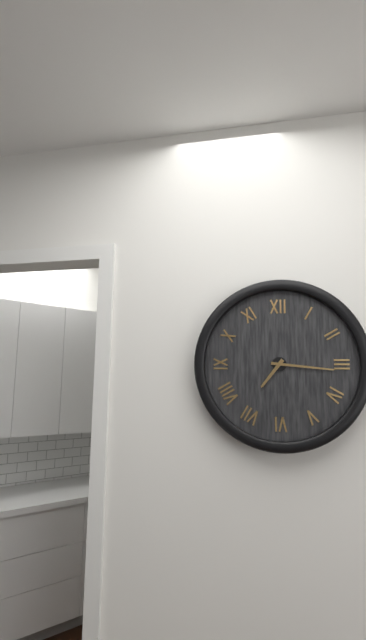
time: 7:16
